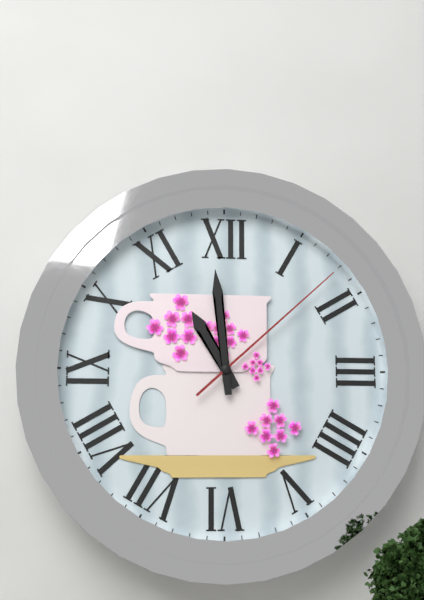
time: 10:59:08
